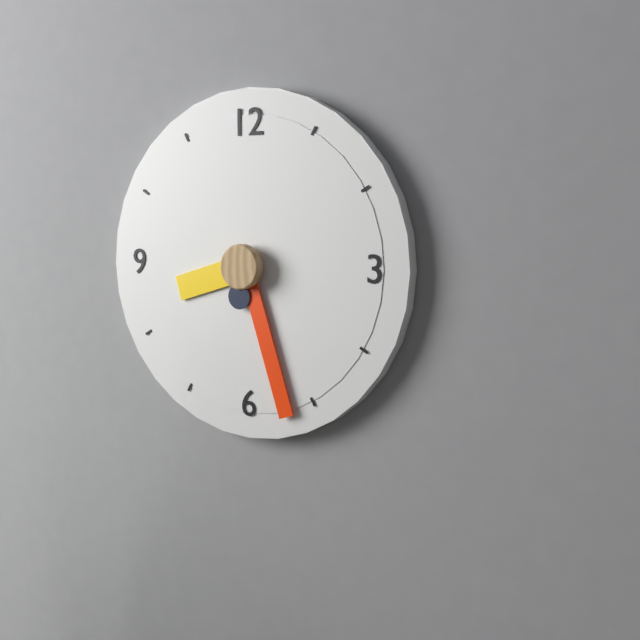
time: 8:27:32
